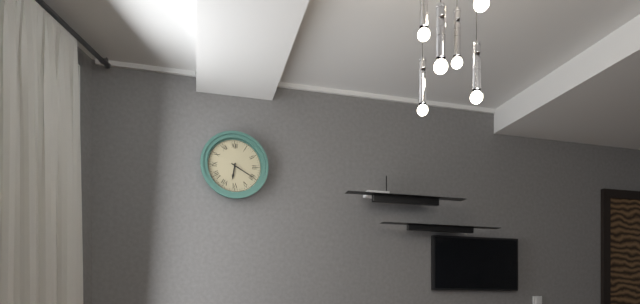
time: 6:20
